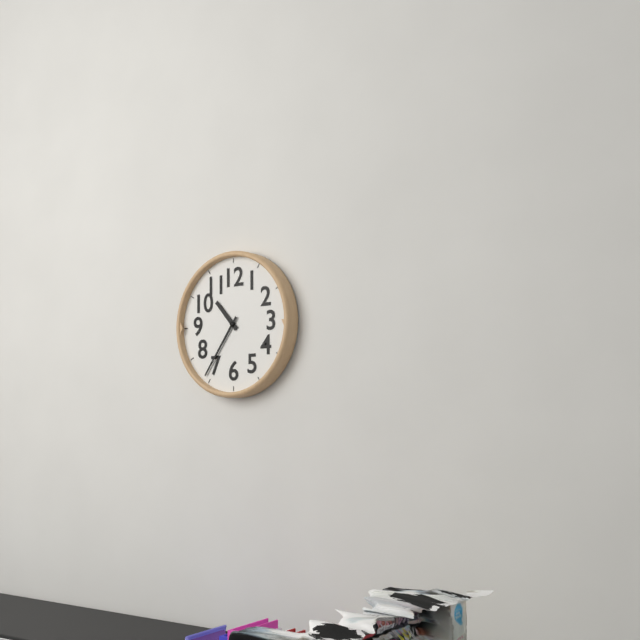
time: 10:36
